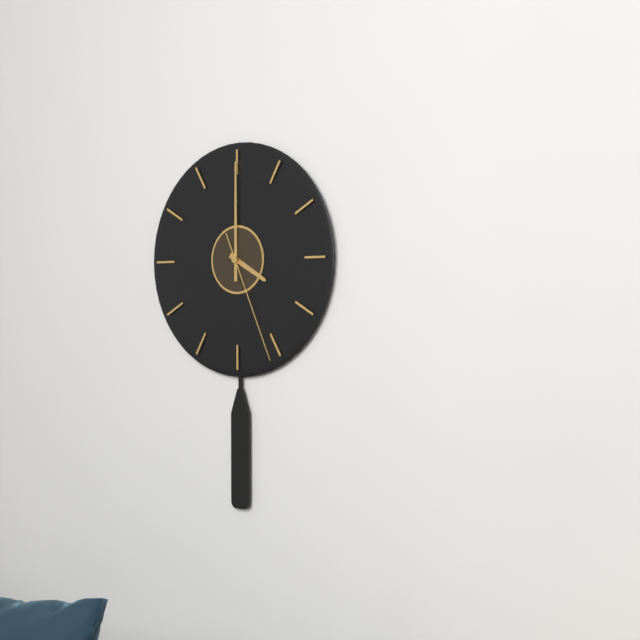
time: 4:00:26
